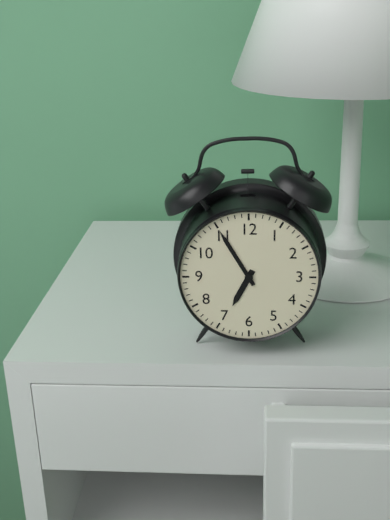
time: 6:55
